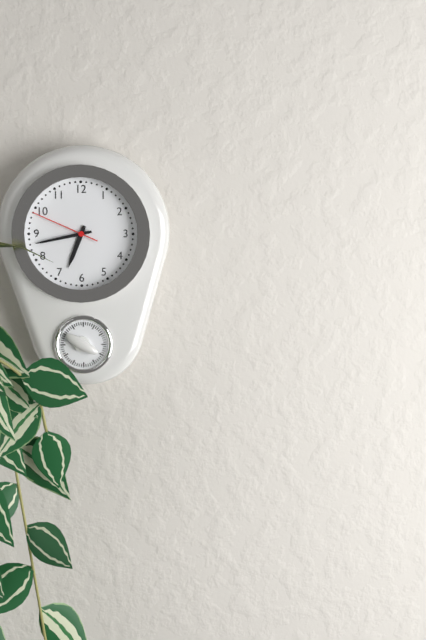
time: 6:43:49
